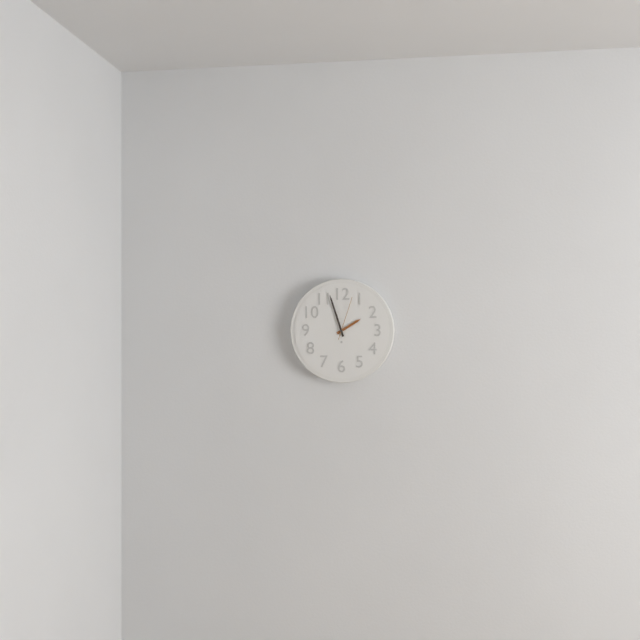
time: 1:57
